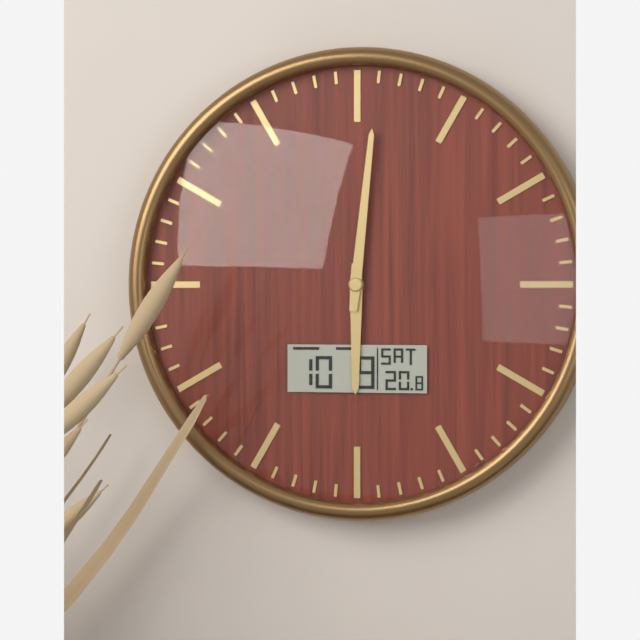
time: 6:01
